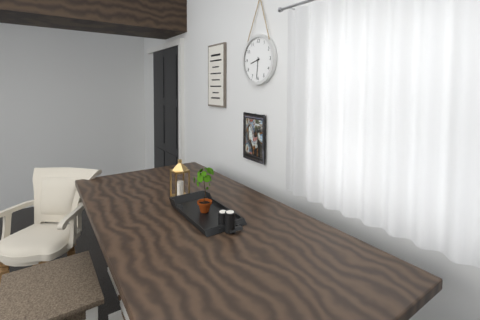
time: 8:31
